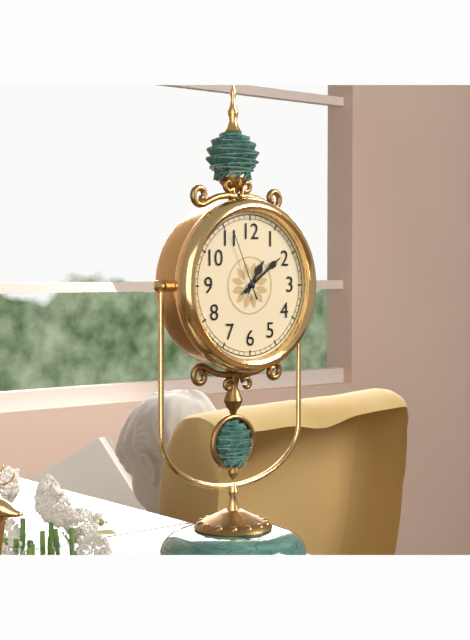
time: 1:09:56
